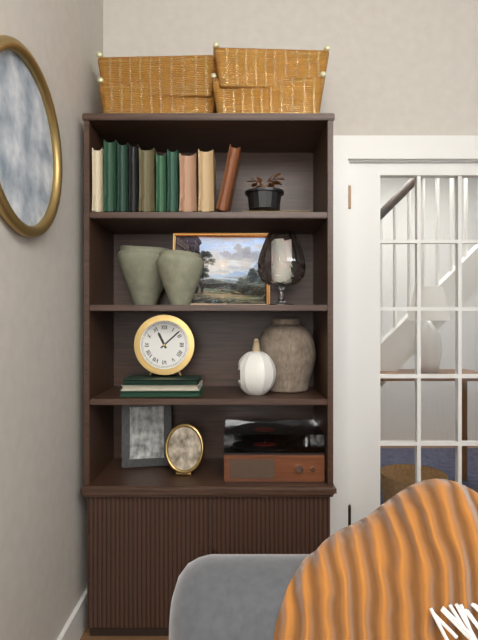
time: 11:08
